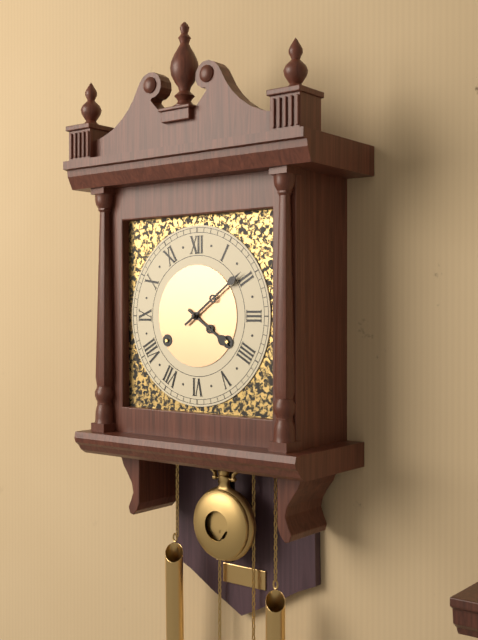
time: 4:09
